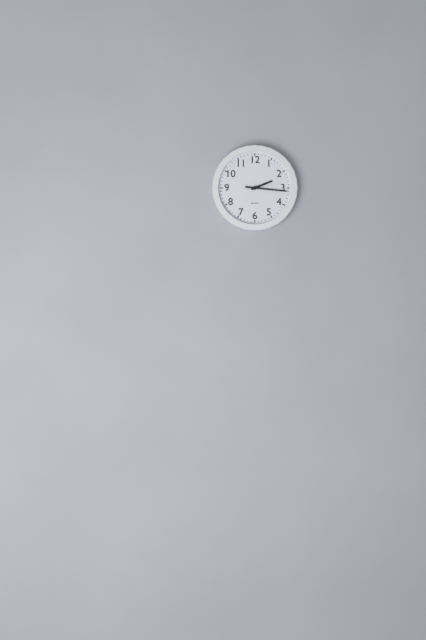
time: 2:16
